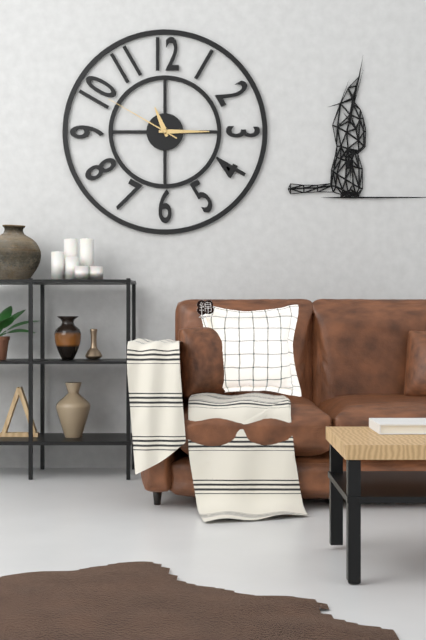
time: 11:15:50
